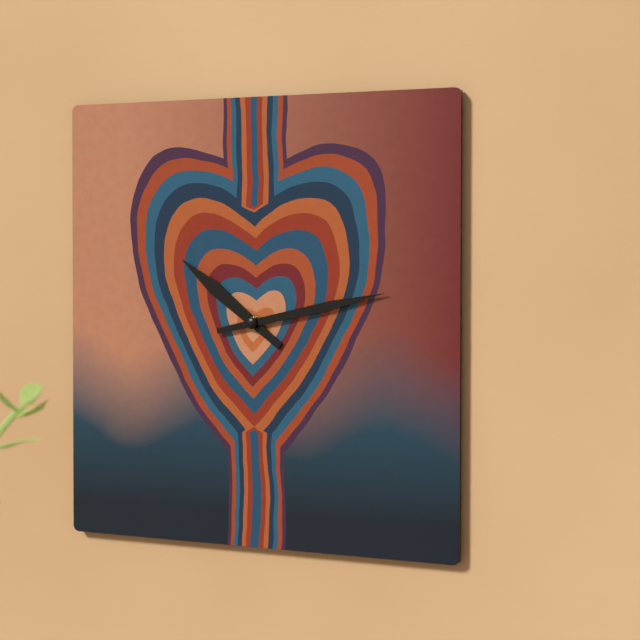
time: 10:13
